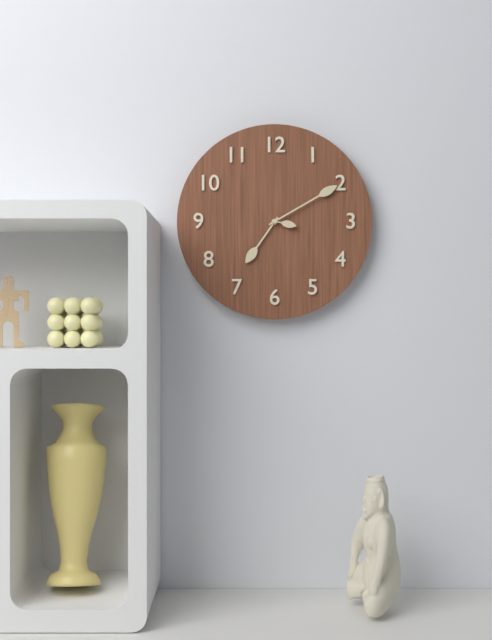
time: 7:10
